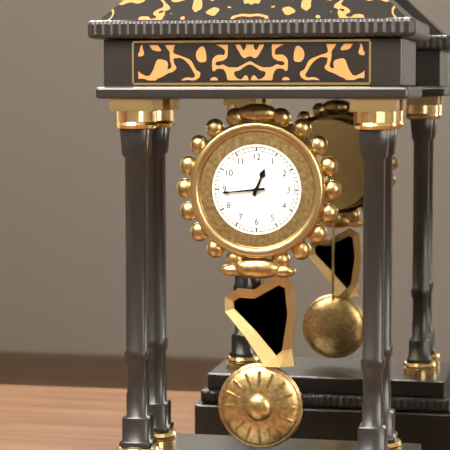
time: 12:44
